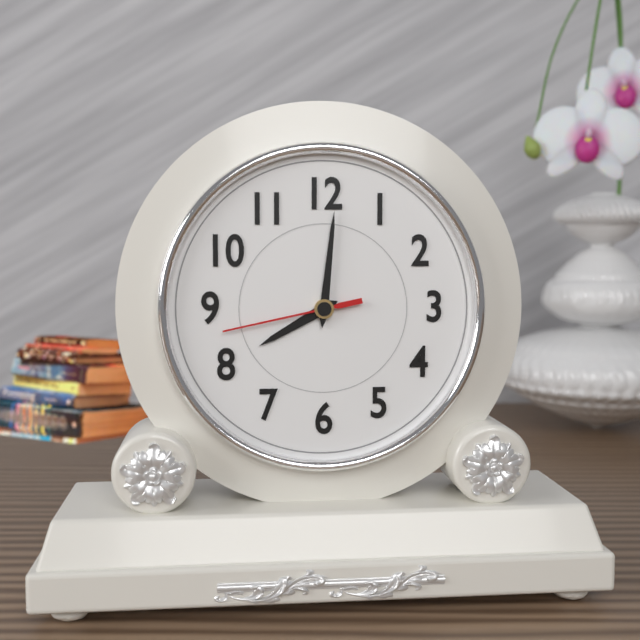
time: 8:01:43
